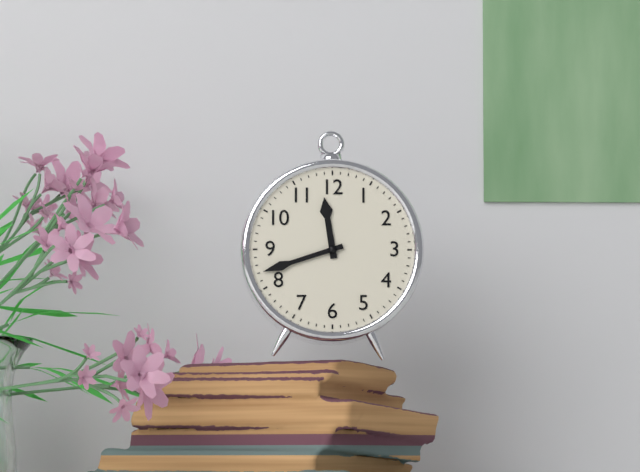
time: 11:42
